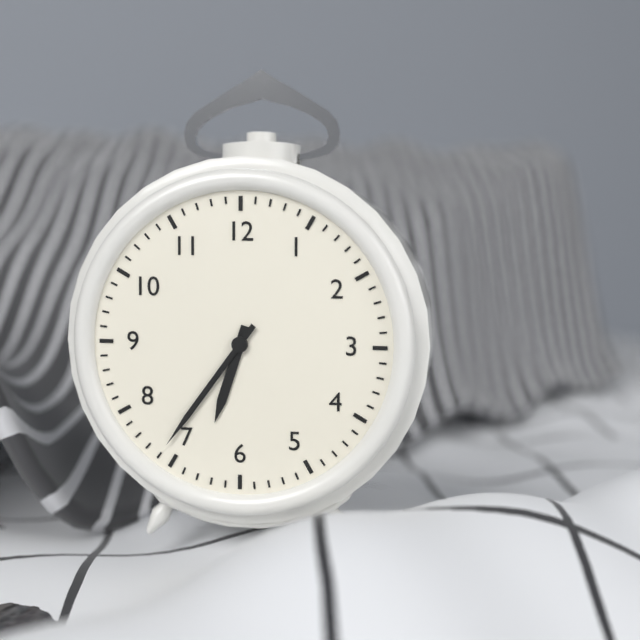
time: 6:36
